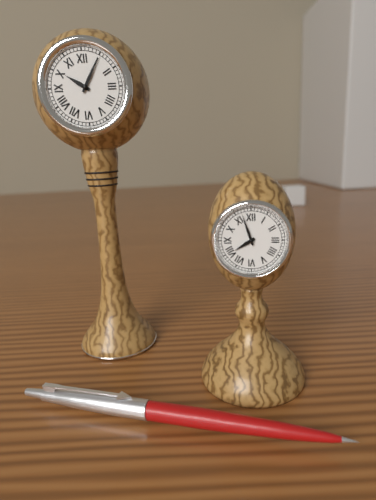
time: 10:05
